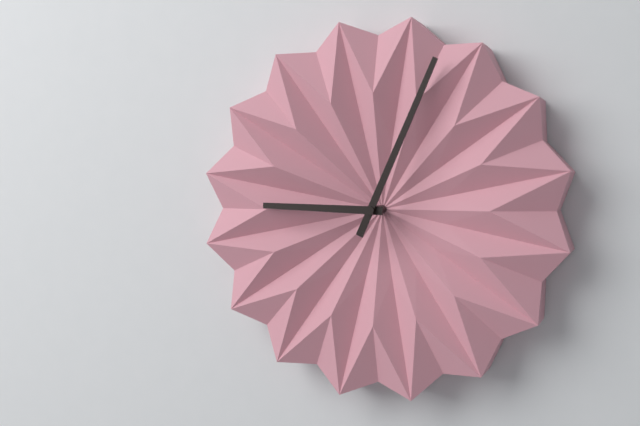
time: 9:04
